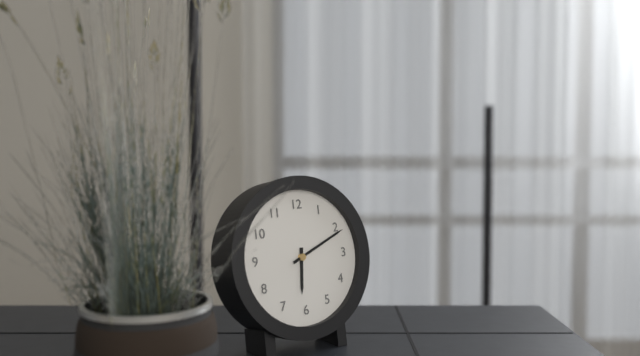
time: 6:11
